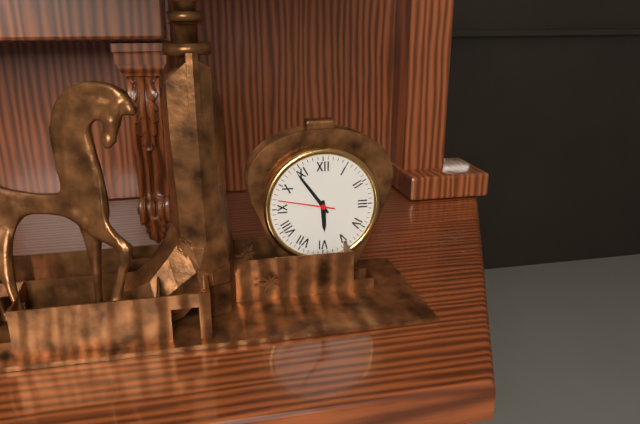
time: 5:54:47
